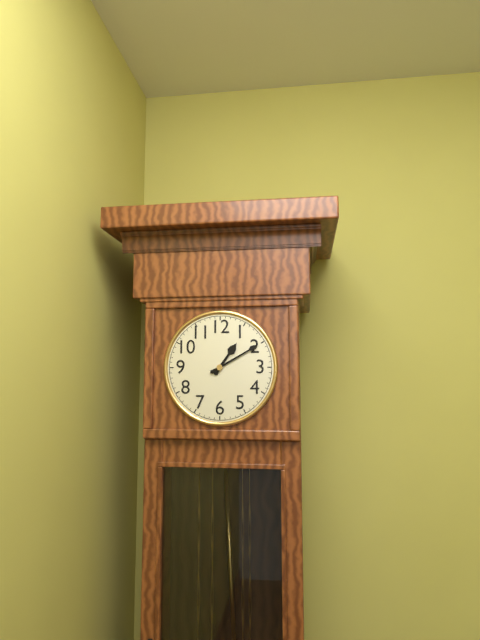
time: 1:10
